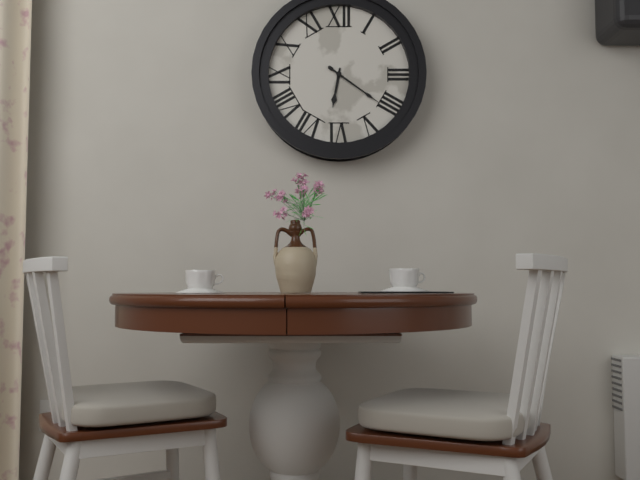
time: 6:21
